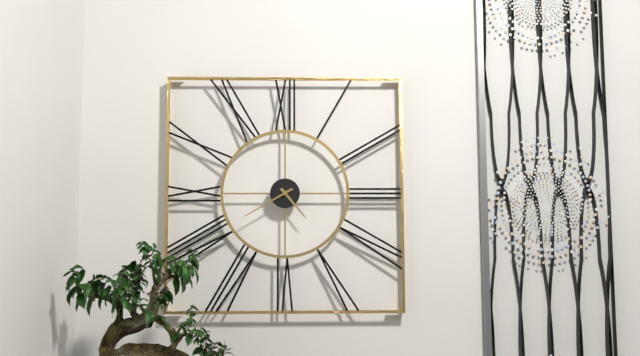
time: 4:40
